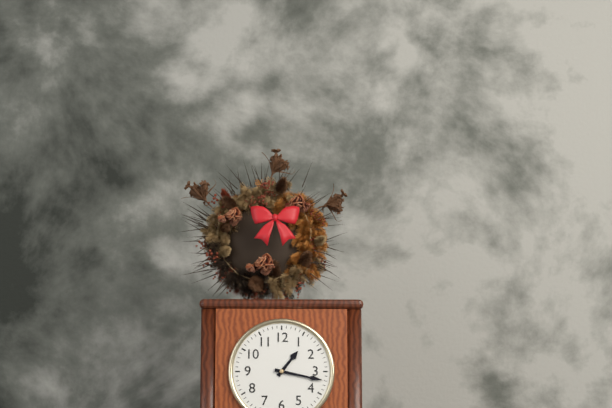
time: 1:17
